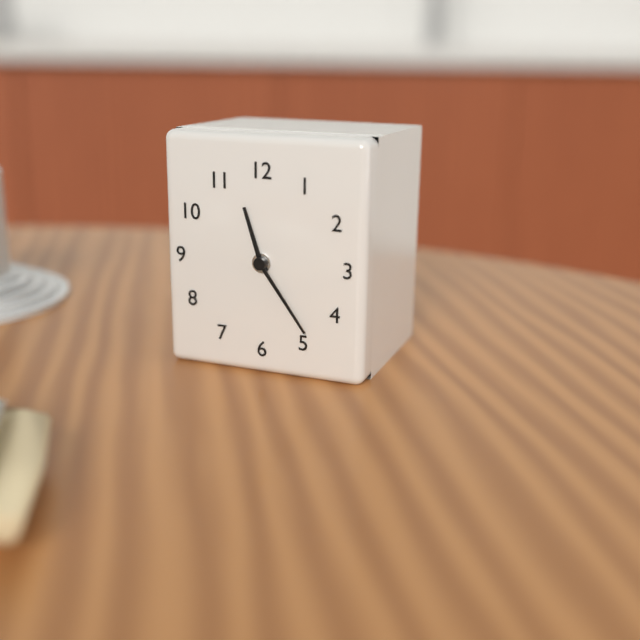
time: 11:24
